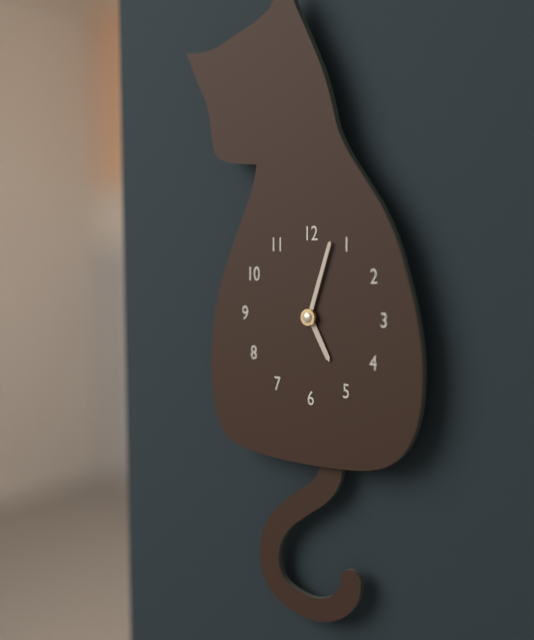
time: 5:03
